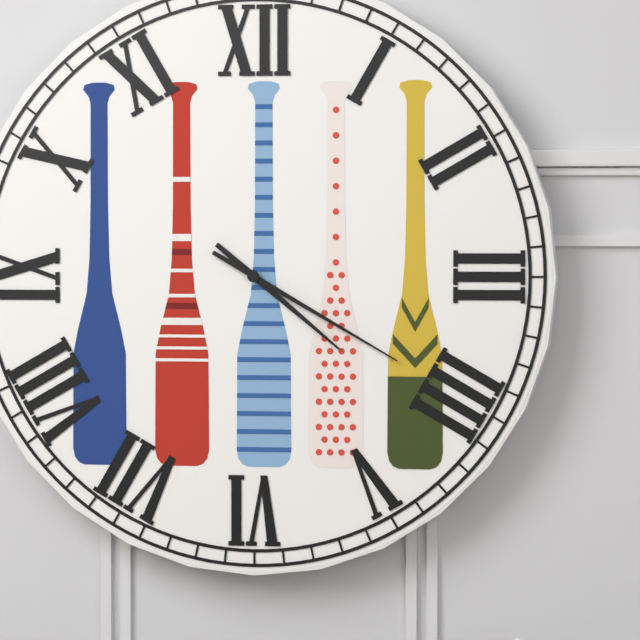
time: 4:20
